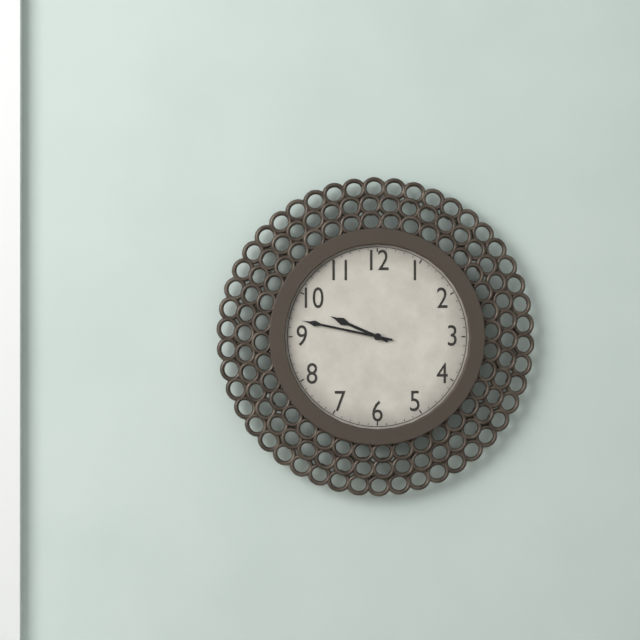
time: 9:47
